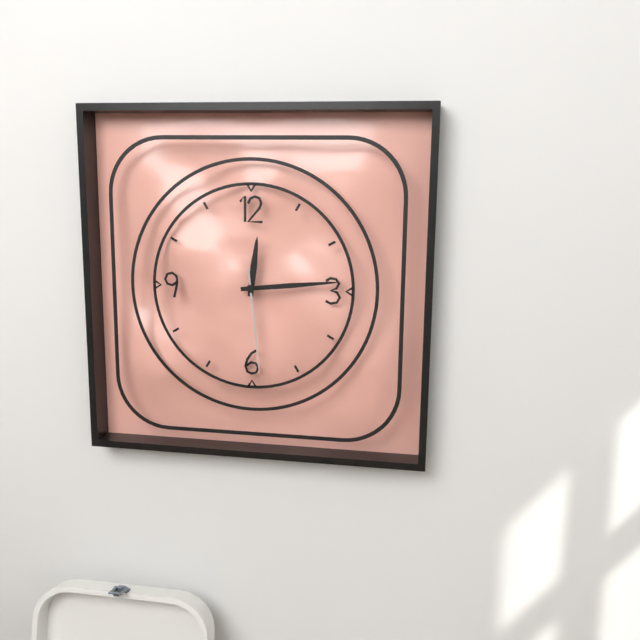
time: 12:14:29
